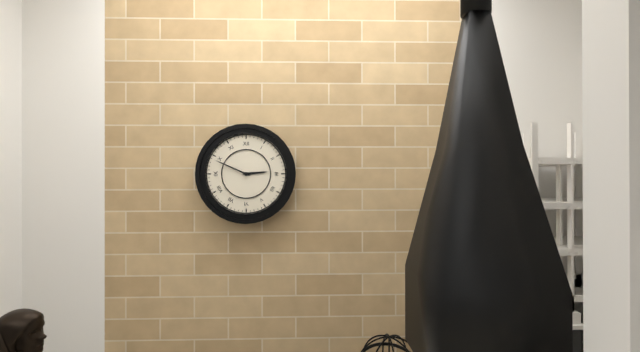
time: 2:49
